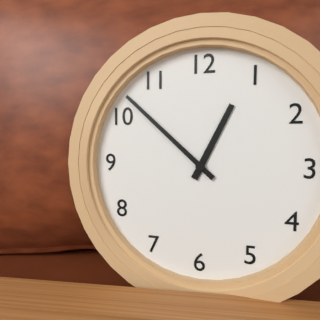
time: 12:52
